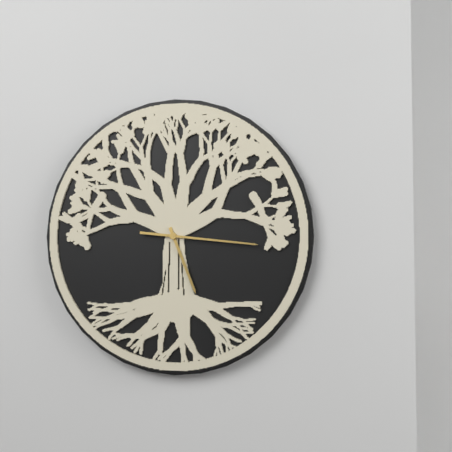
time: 5:16
